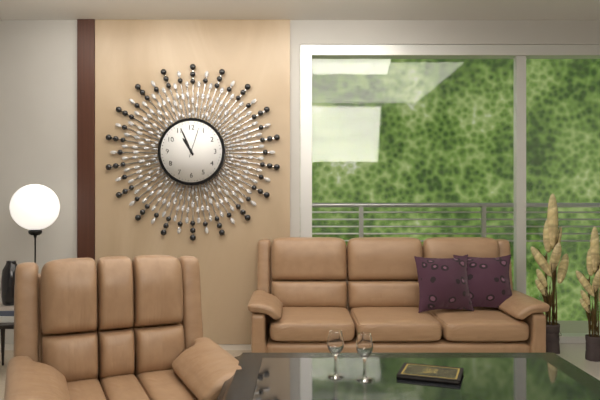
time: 10:56
